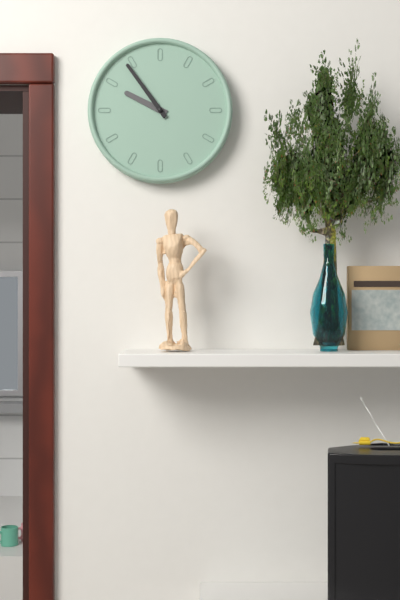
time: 9:54
